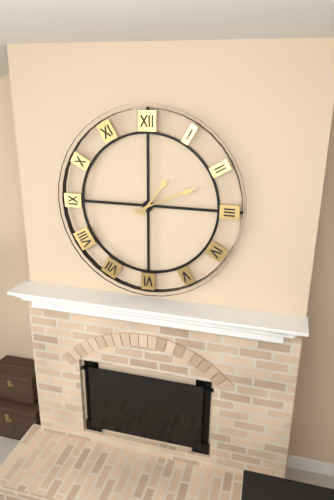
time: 1:11
